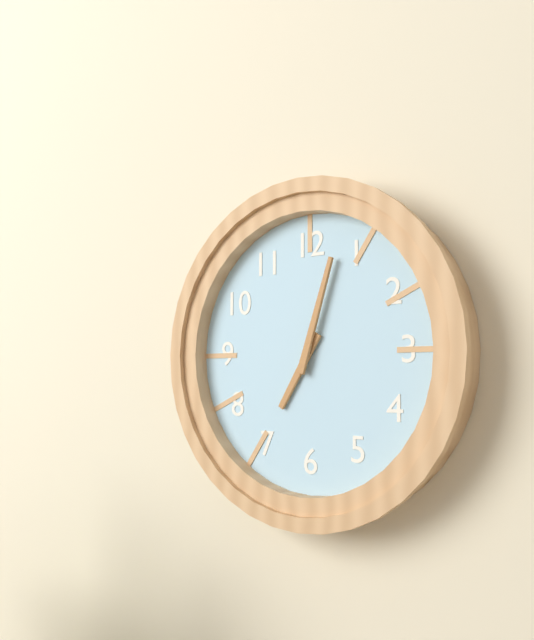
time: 7:03
